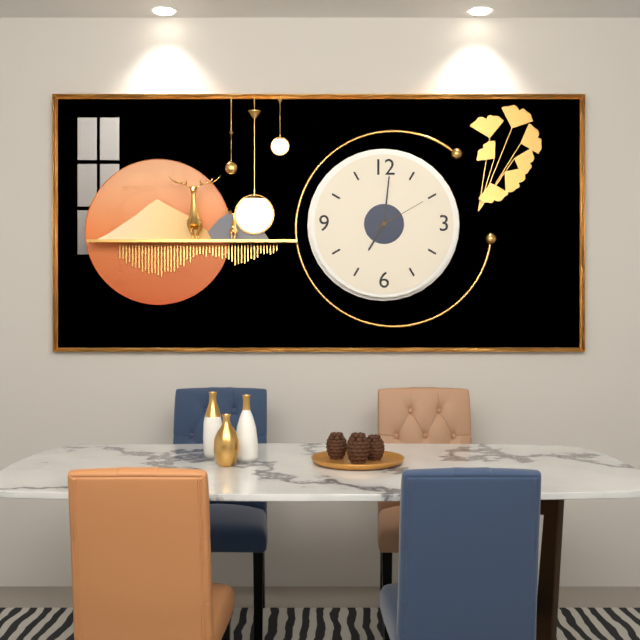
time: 7:01:10
